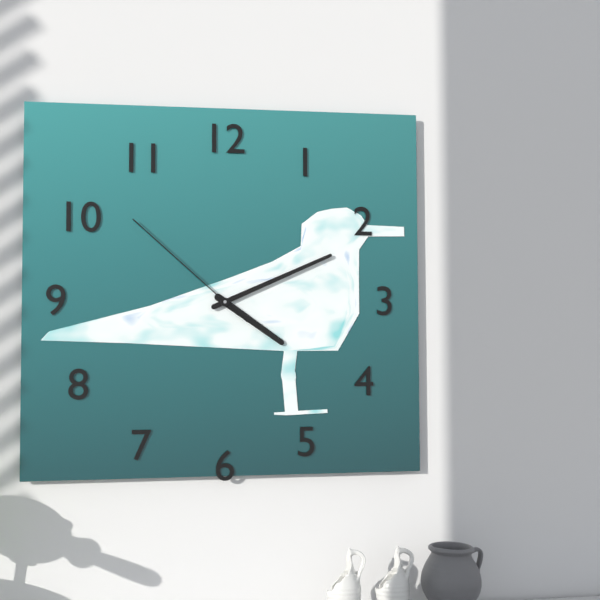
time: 4:11:52
